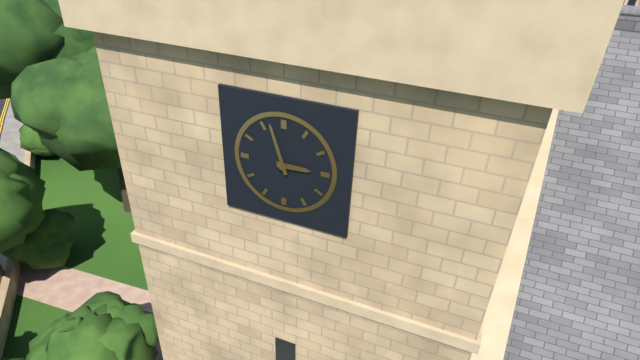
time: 2:57
